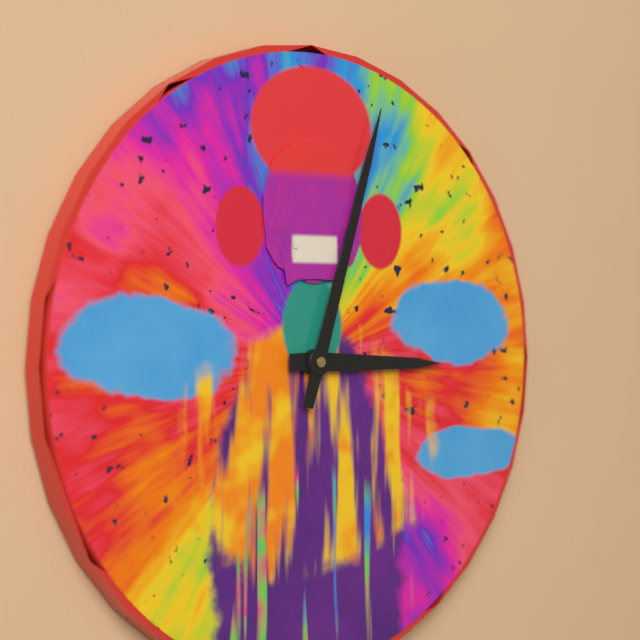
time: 3:03
